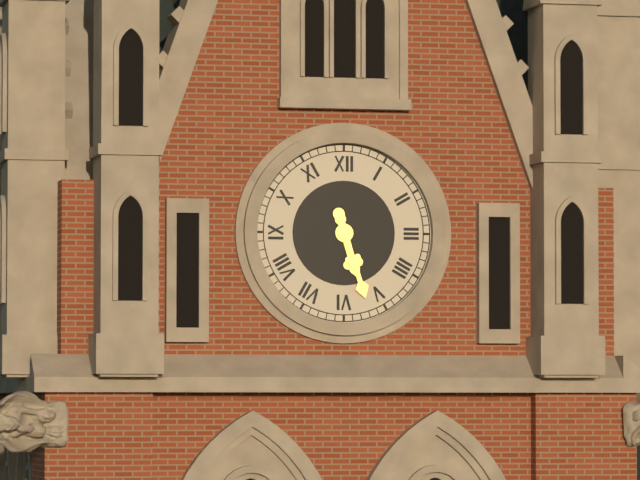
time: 5:27
